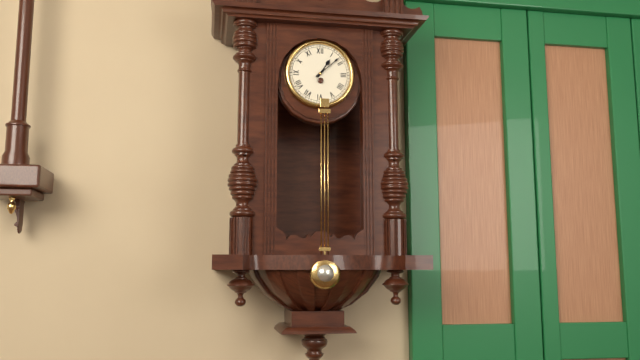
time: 1:08
